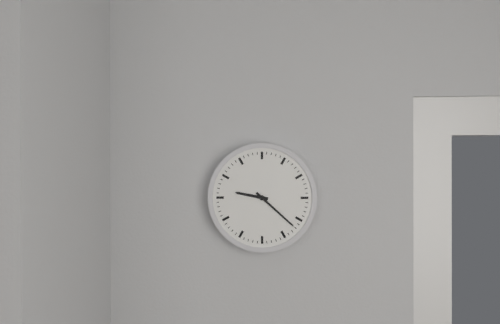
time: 9:22
